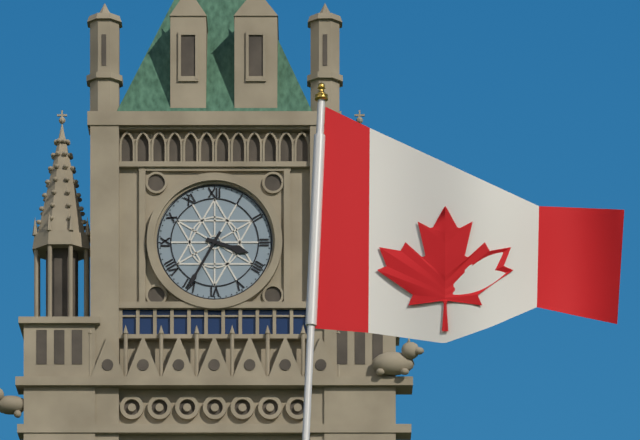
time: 3:35
